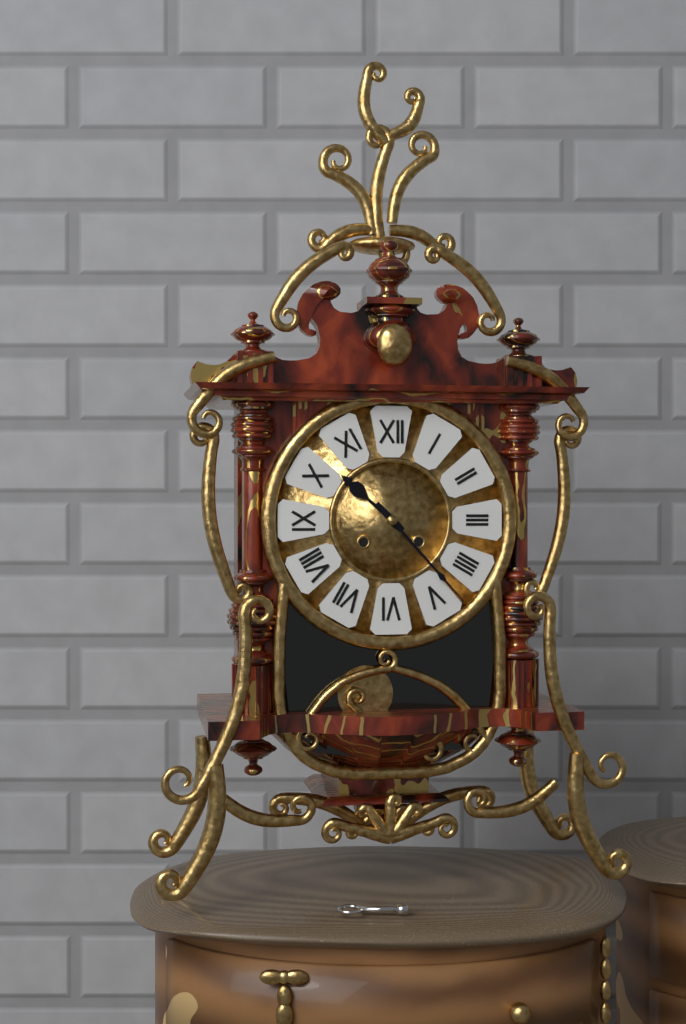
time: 10:23
